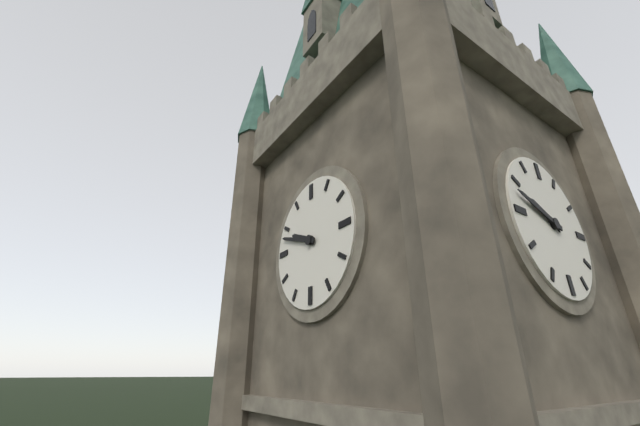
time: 9:48
